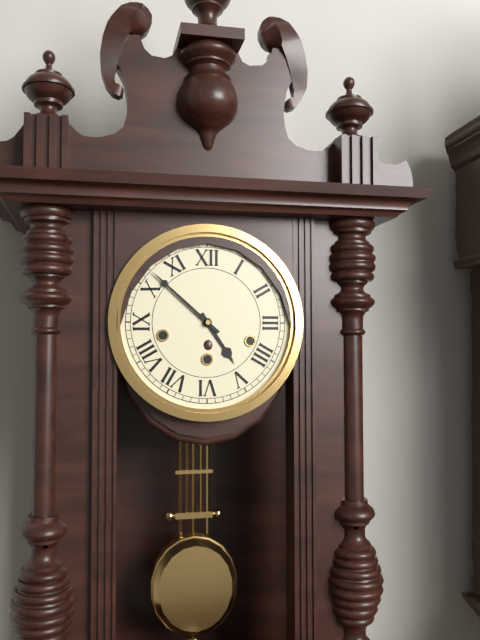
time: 4:52
